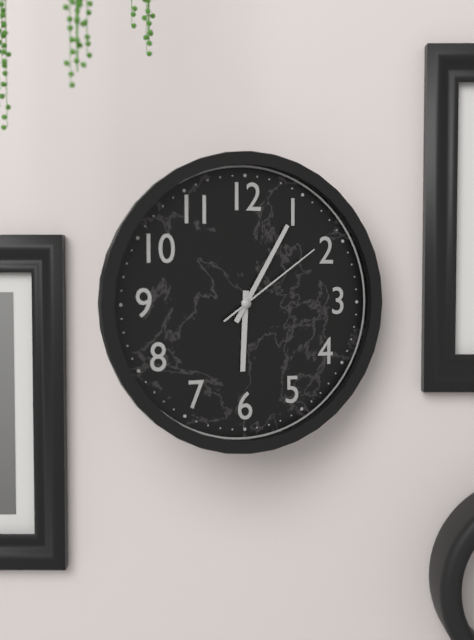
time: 6:05:09
